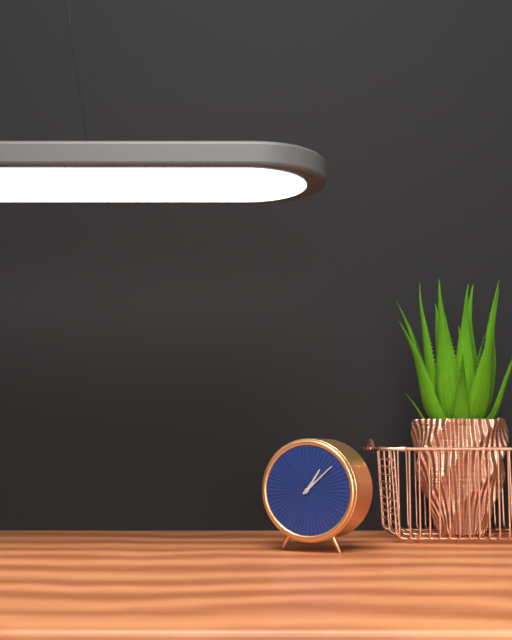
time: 1:08
